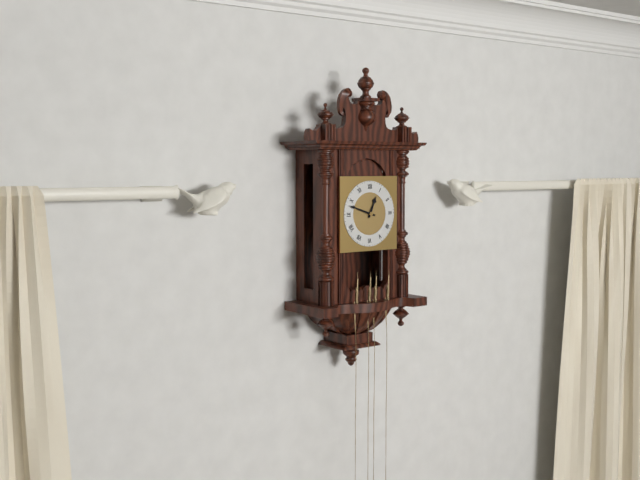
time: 12:48
